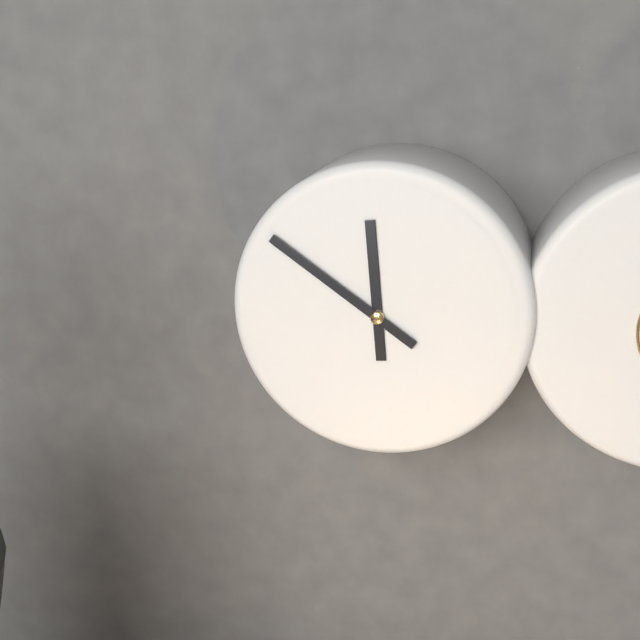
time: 11:51
